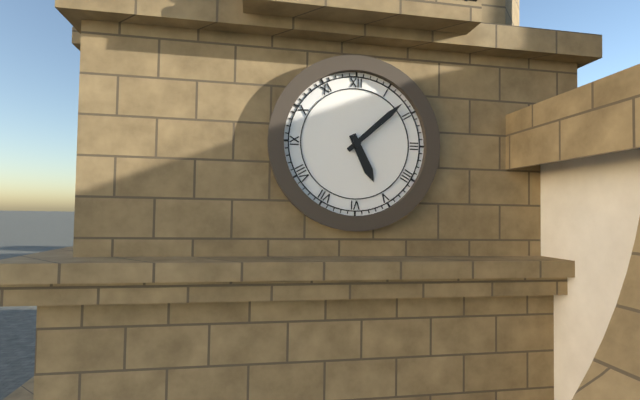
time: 5:08
